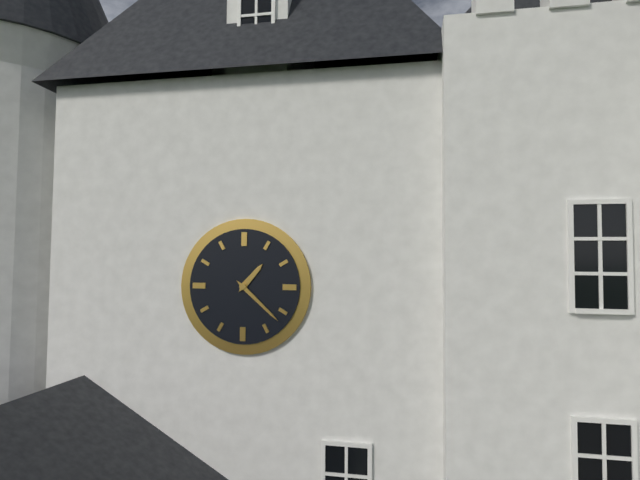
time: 1:22
